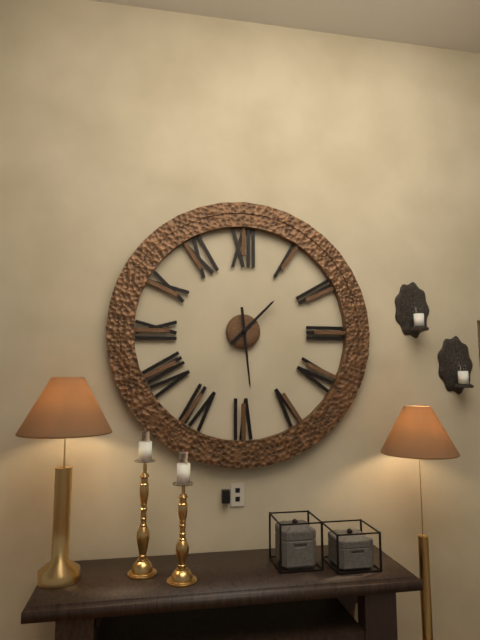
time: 1:29
